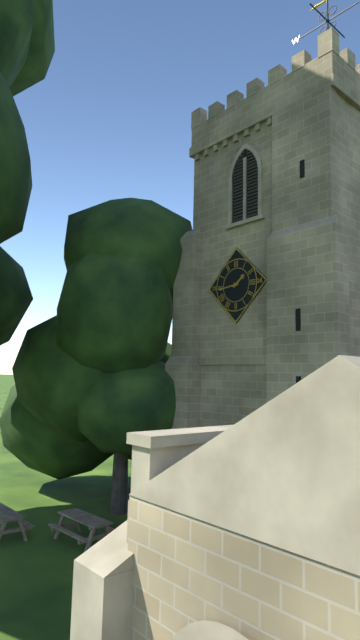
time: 1:44
